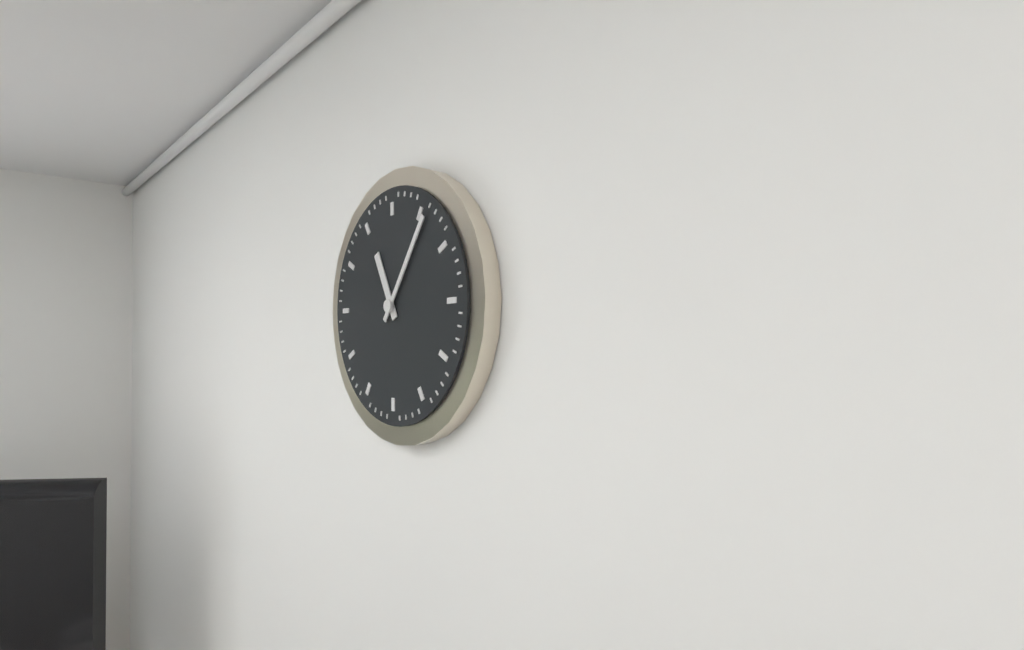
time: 11:06
